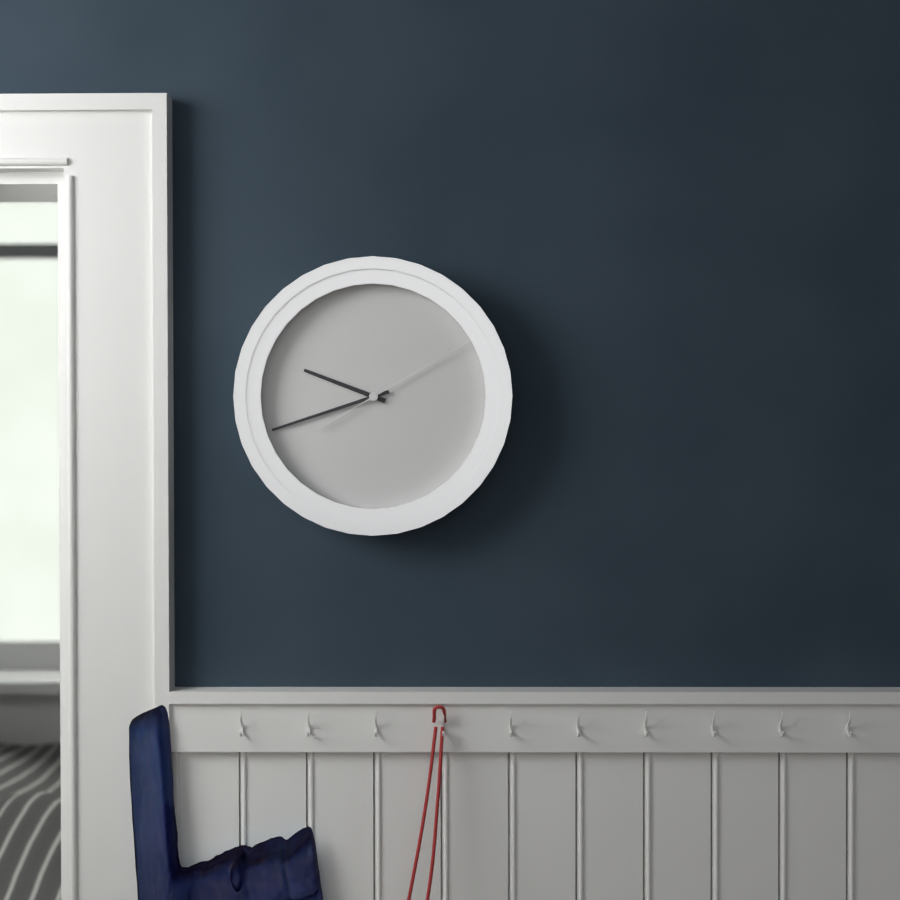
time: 9:42:10
